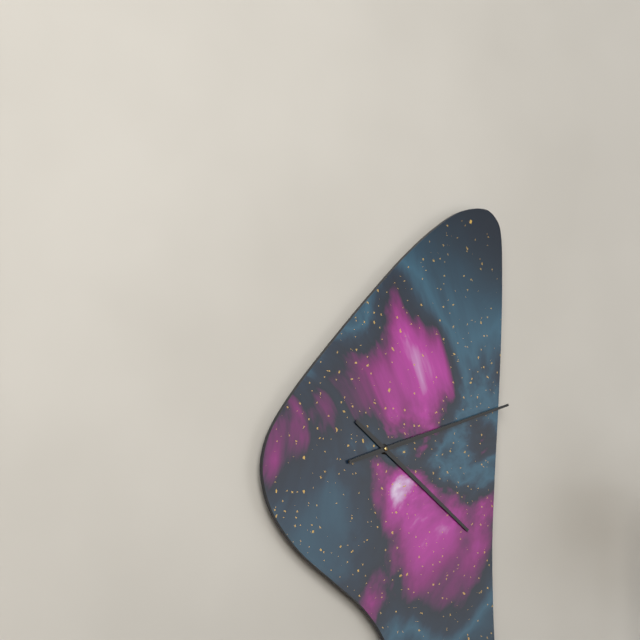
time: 4:12
